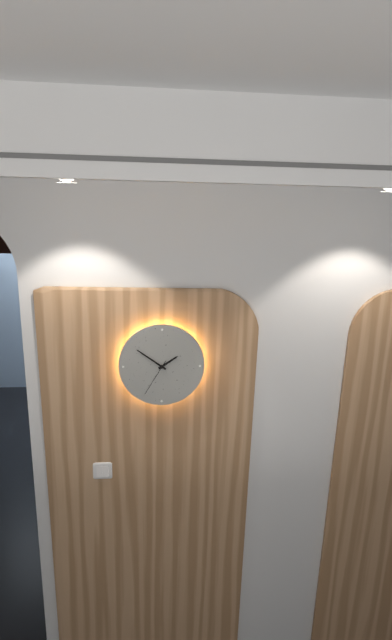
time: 1:51
